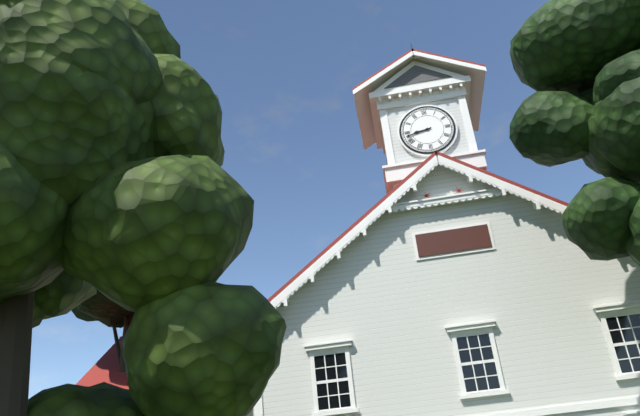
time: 8:43
